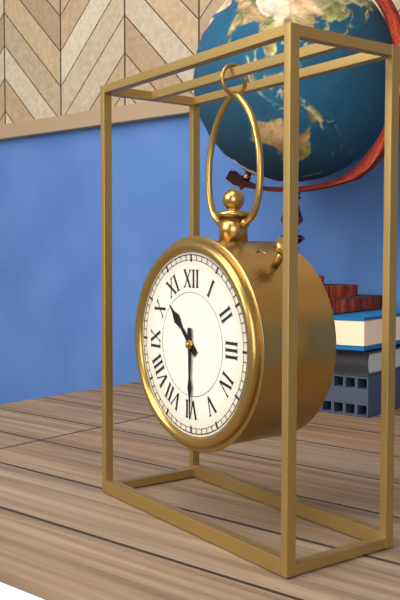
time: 10:30
